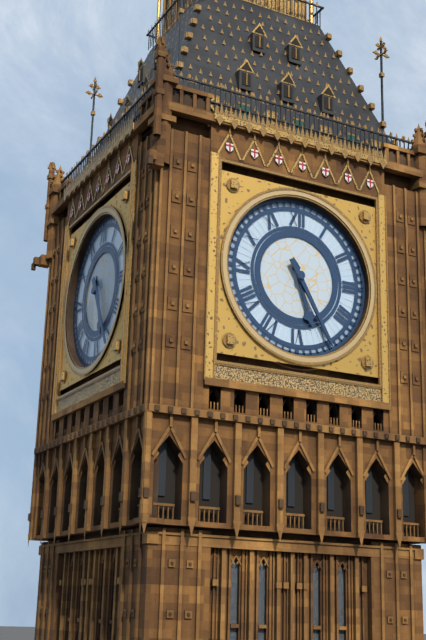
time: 5:25
